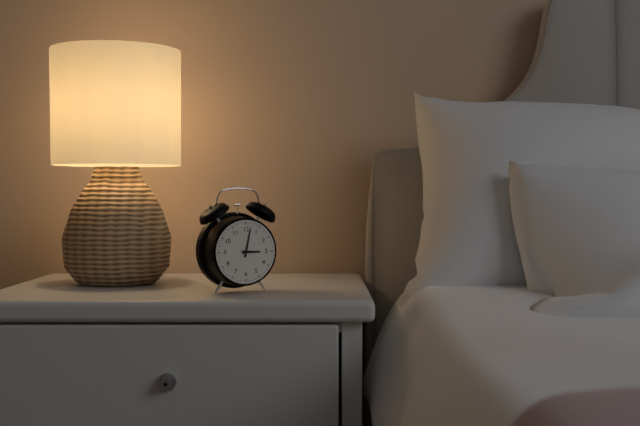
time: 3:02
